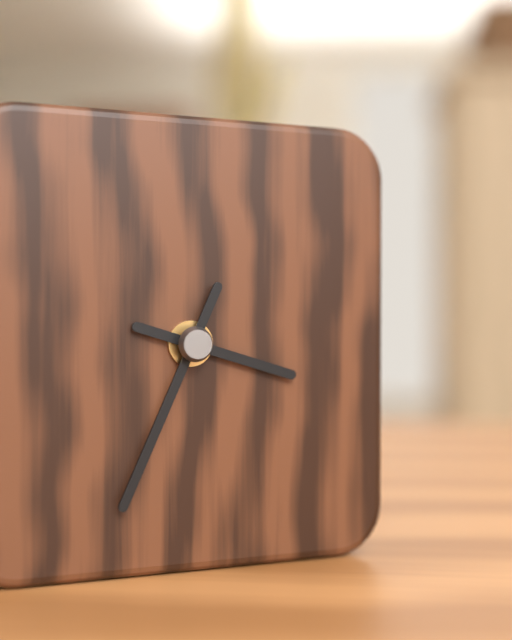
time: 3:34
